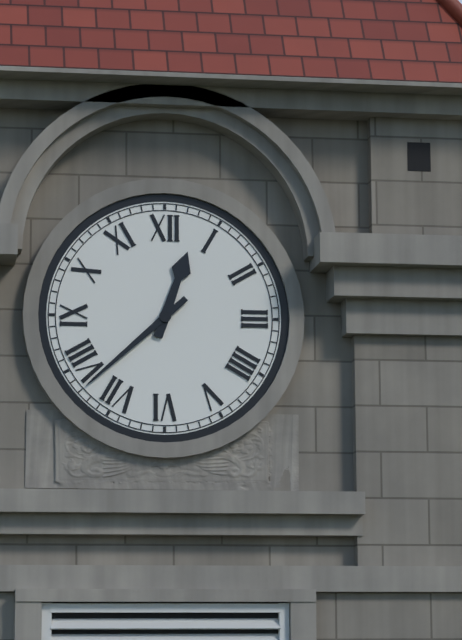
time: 12:38
